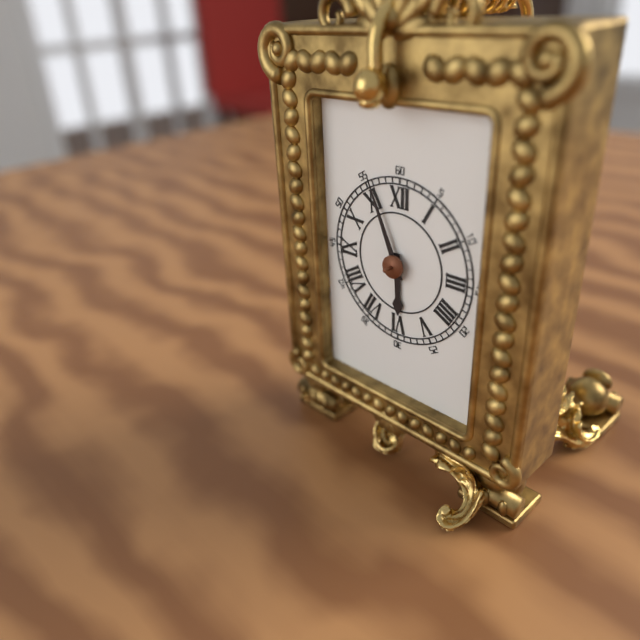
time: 5:56
